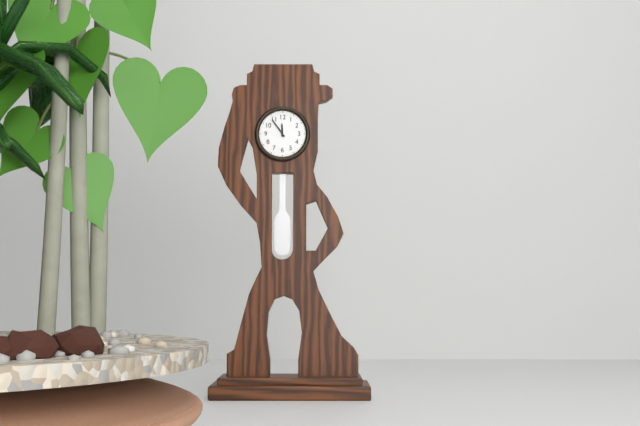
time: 11:54
